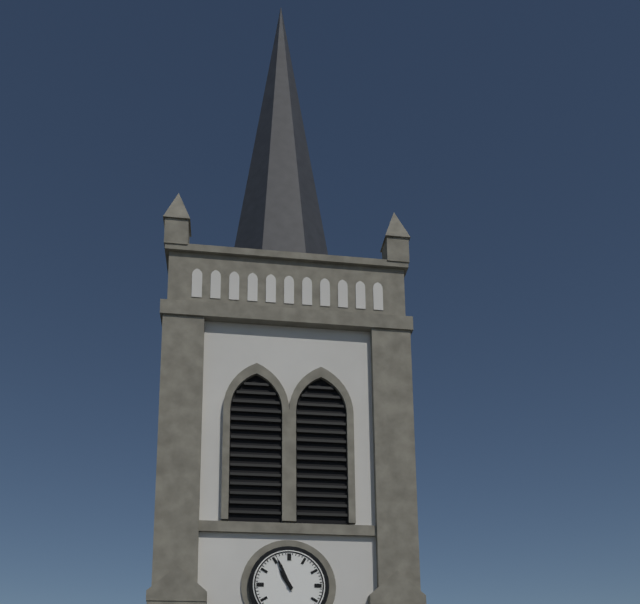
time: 10:56
